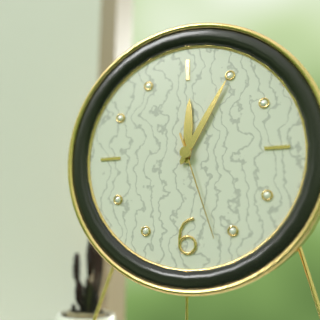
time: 12:05:27
